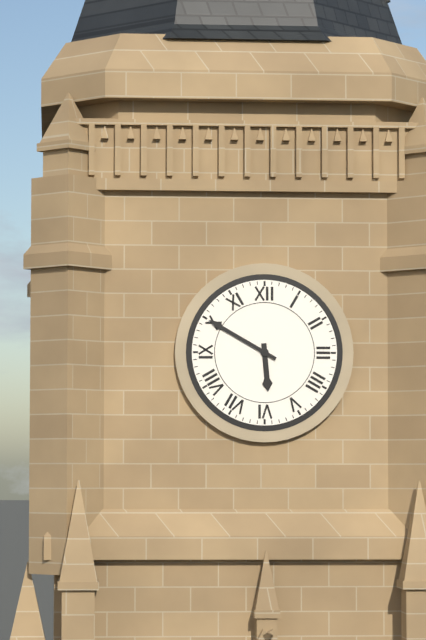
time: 5:50
